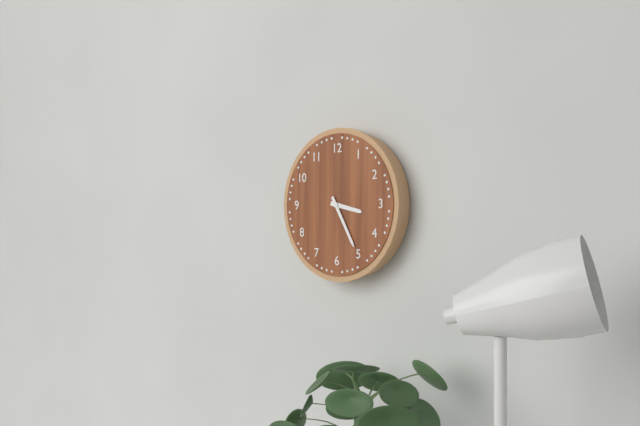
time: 3:25
